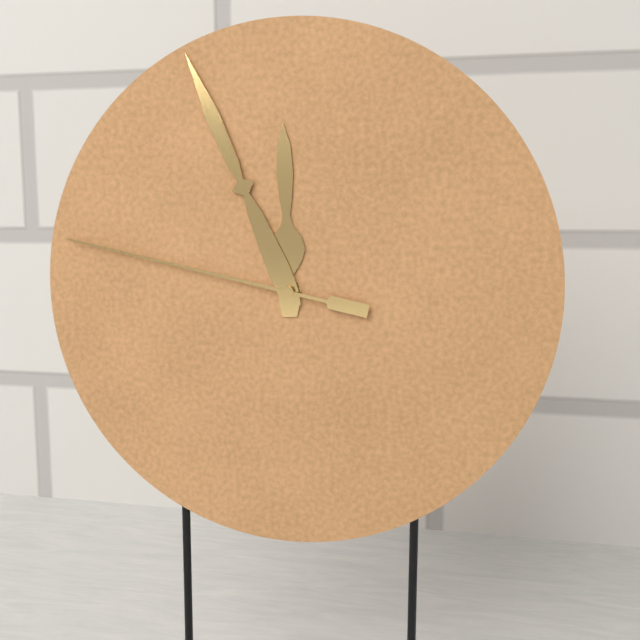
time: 11:56:47
